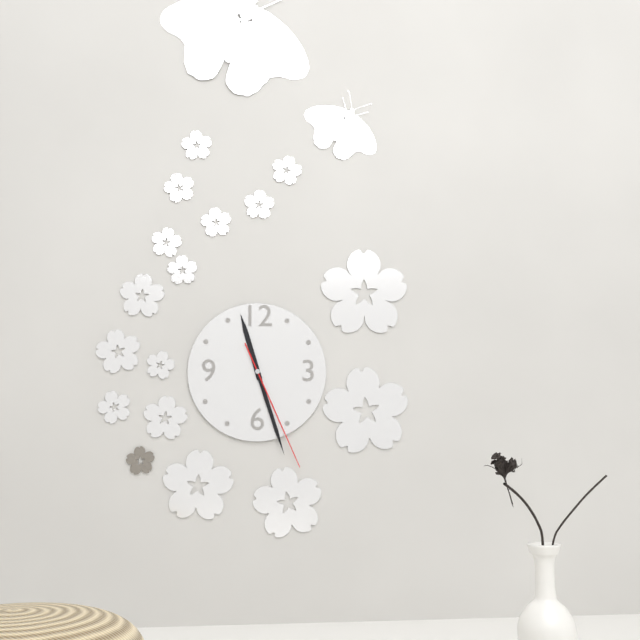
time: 11:27:26
